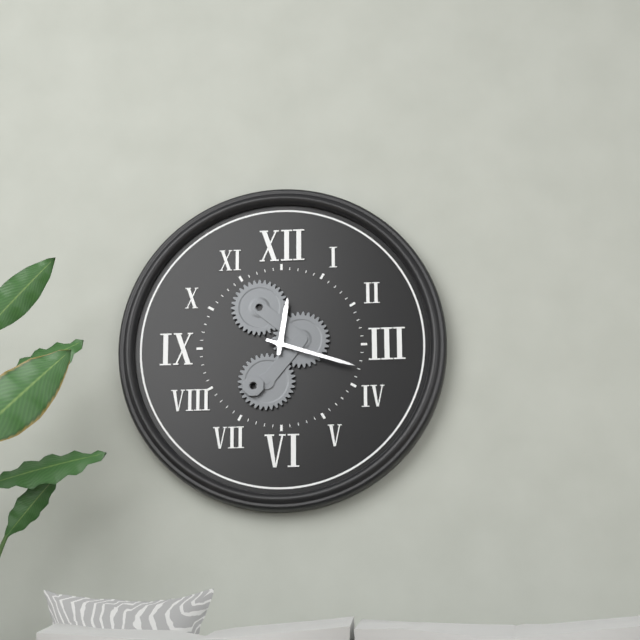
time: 12:18
